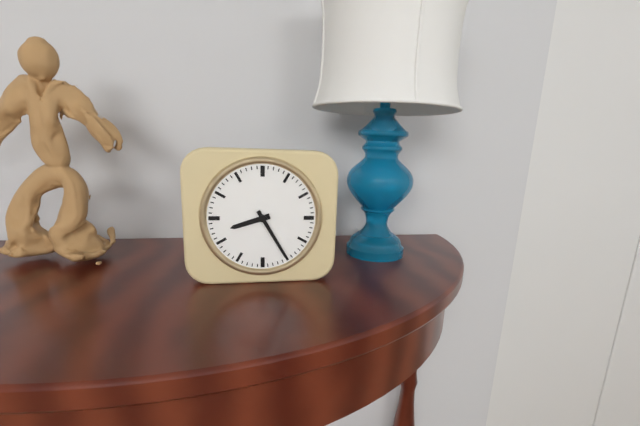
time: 8:25
